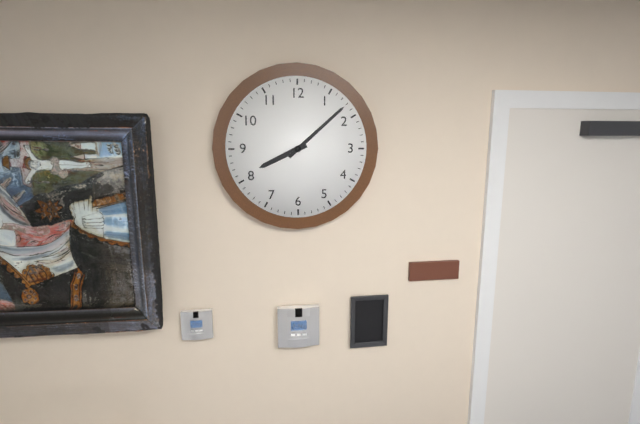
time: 8:08
